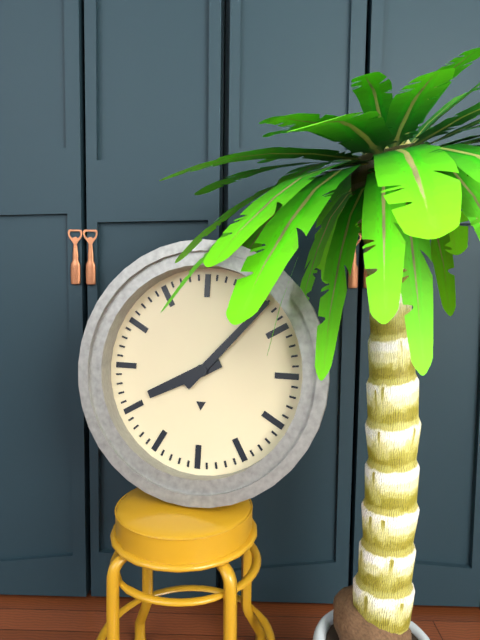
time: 8:07
